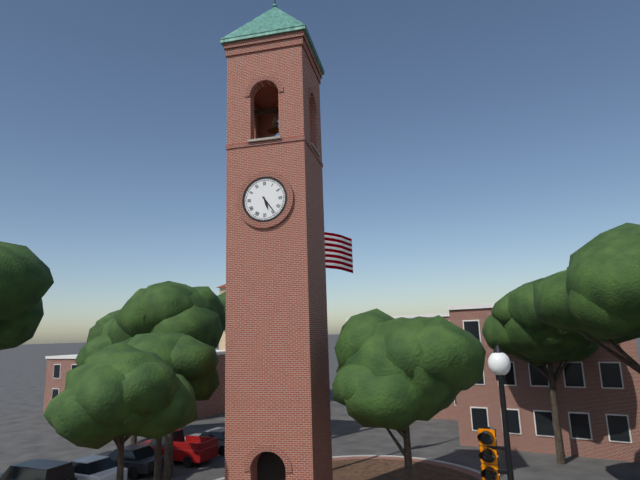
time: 5:24
